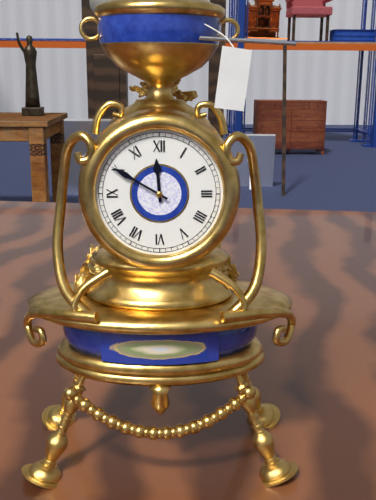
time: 11:50
